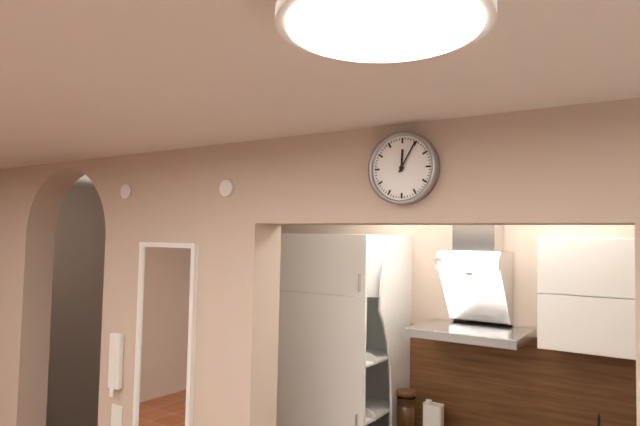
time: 12:05
